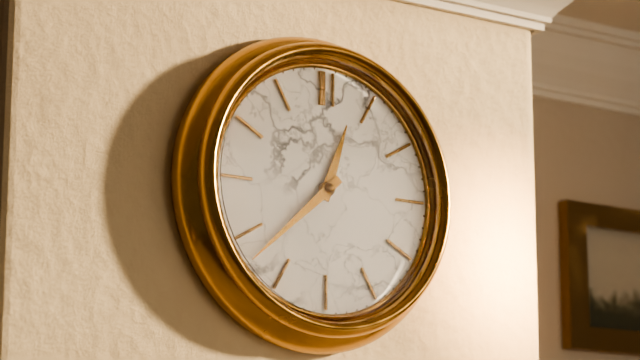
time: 12:38
